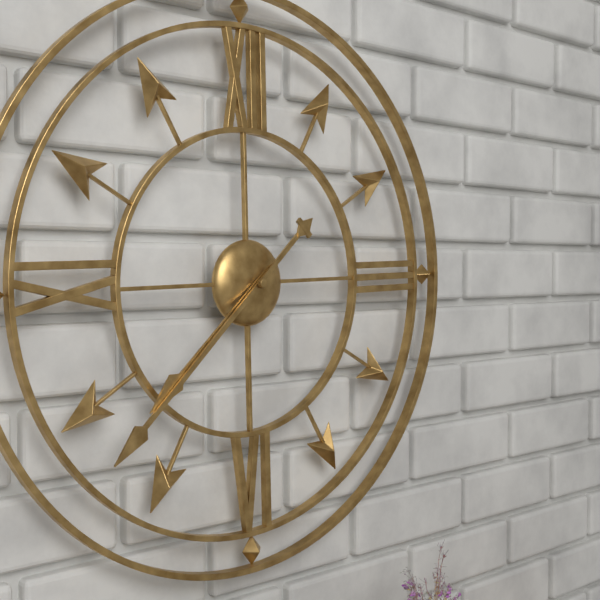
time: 7:38
